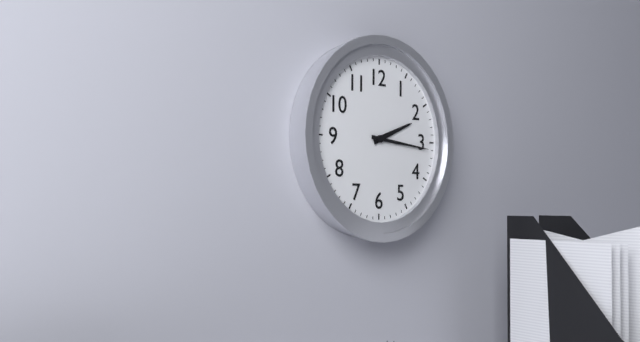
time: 2:16
